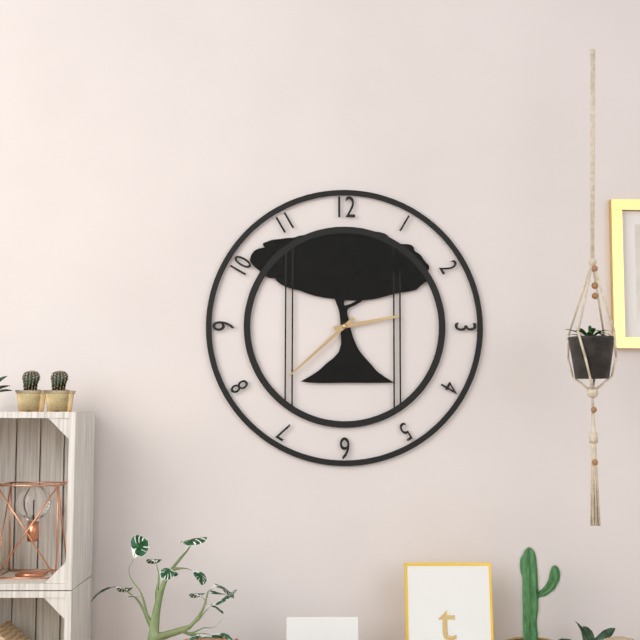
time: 2:38
